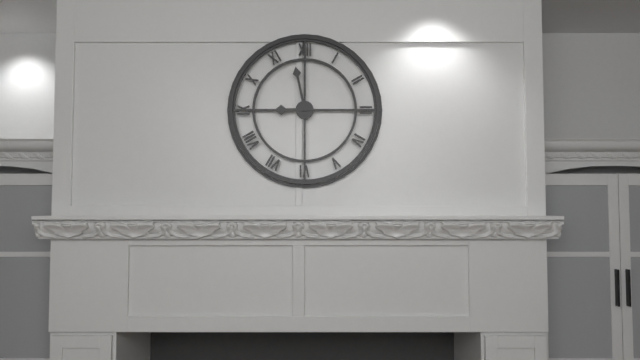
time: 8:58
